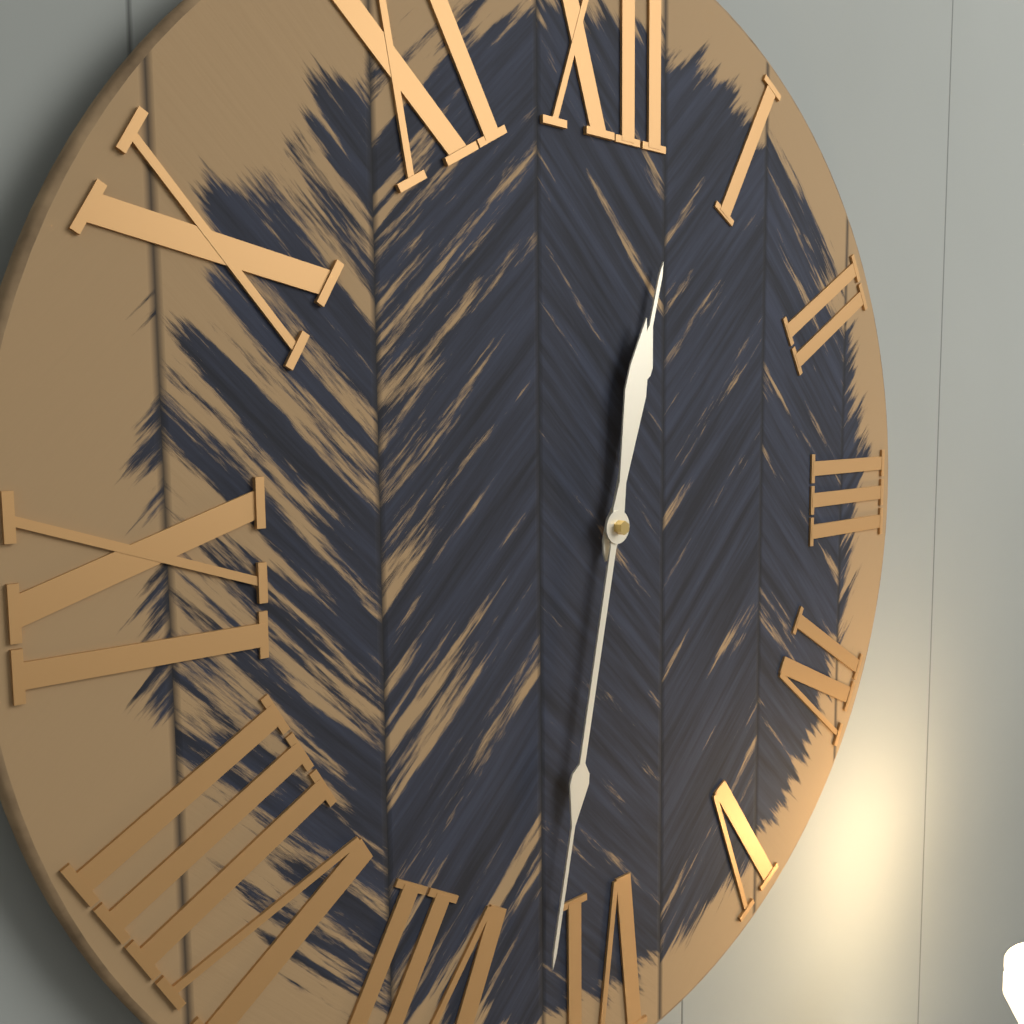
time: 12:32
